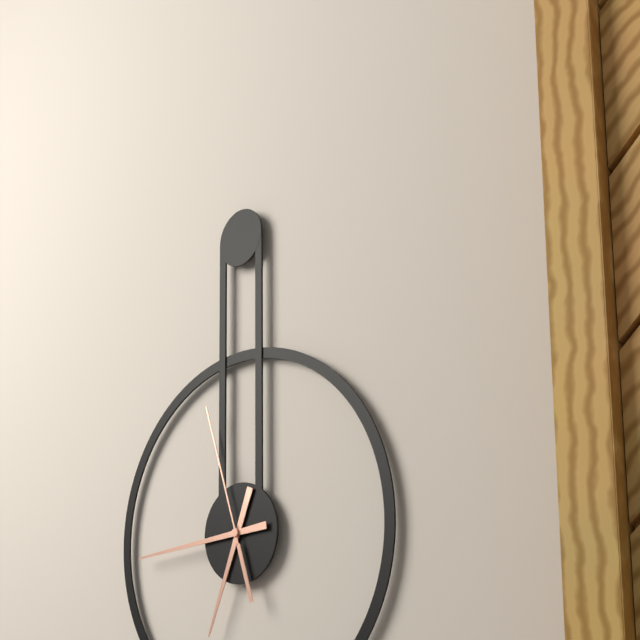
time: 6:44:57
